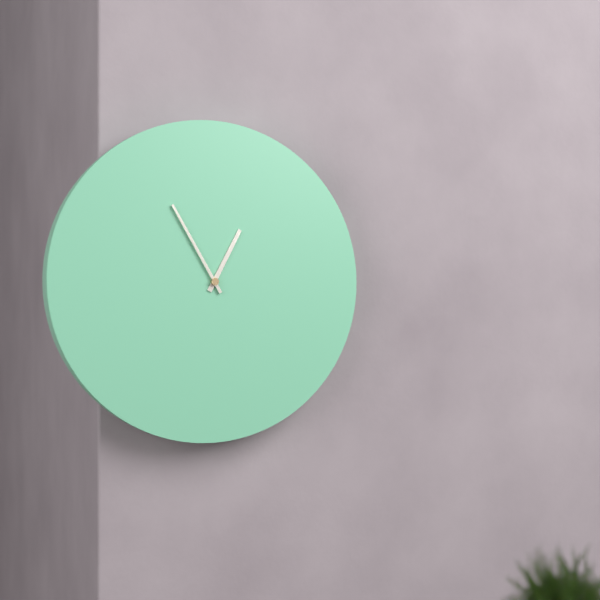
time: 12:55
